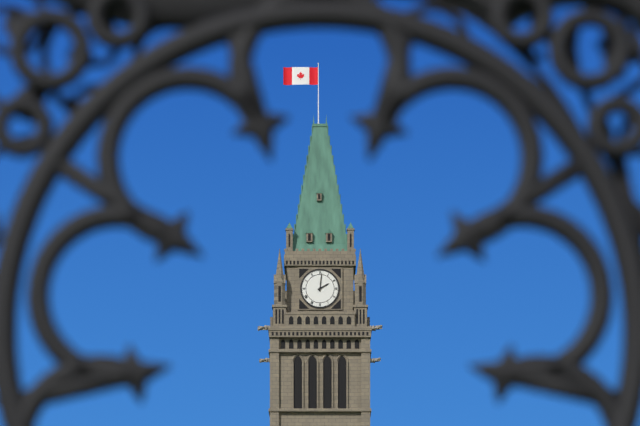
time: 2:01
